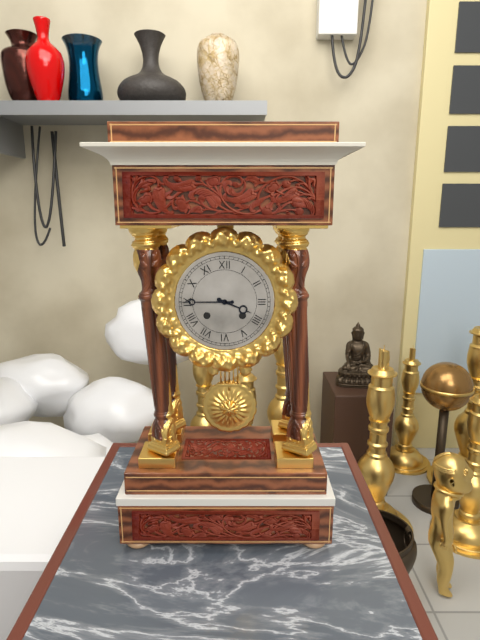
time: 3:45
